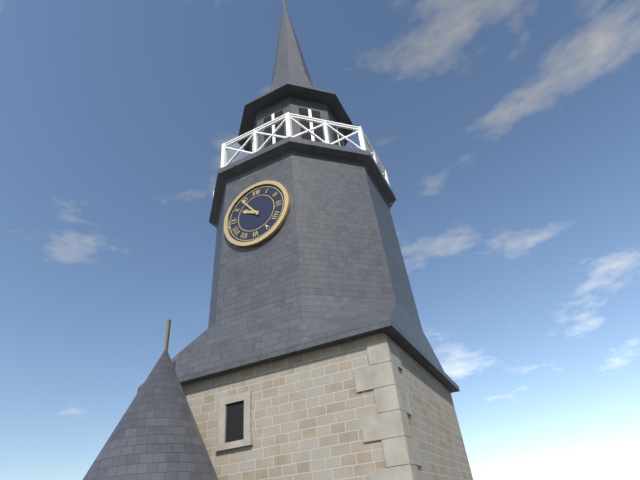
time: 9:54
